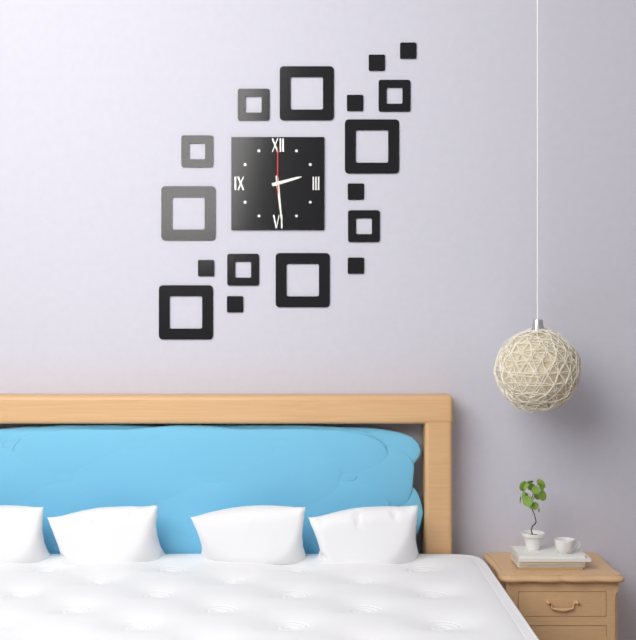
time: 2:29
